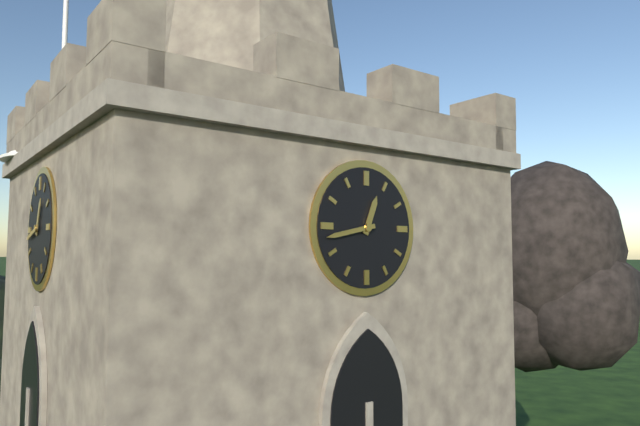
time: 12:43
